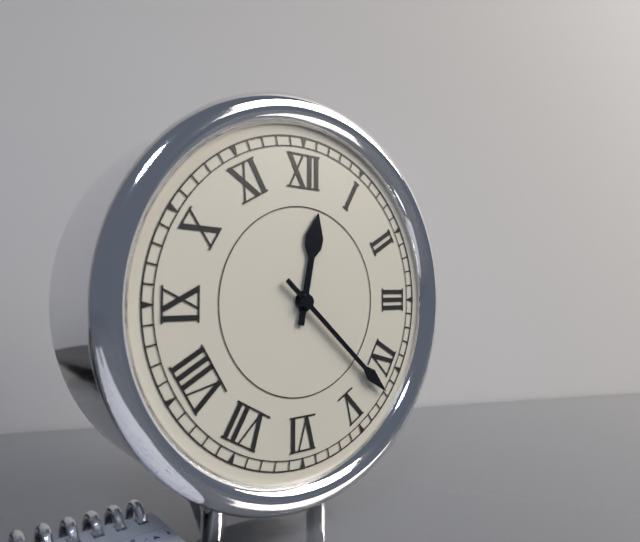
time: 12:22
